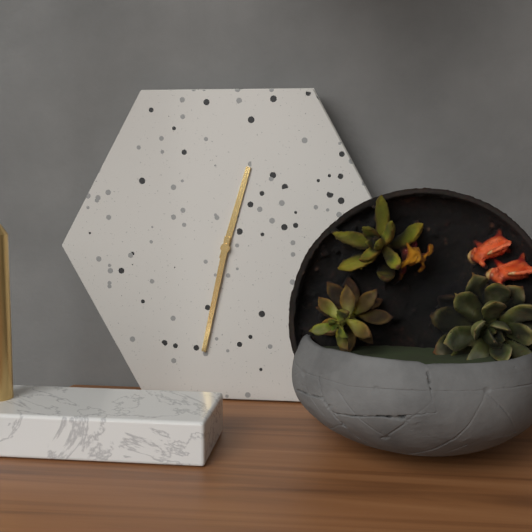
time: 12:32
